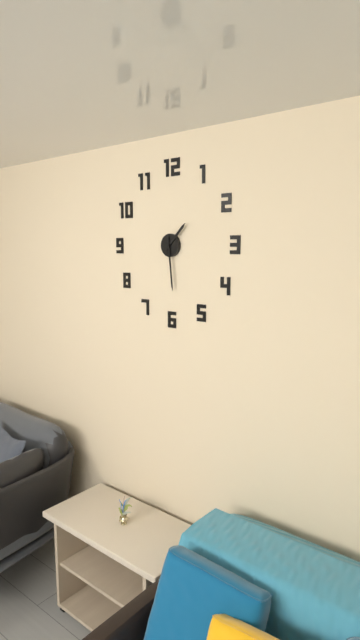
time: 1:29
